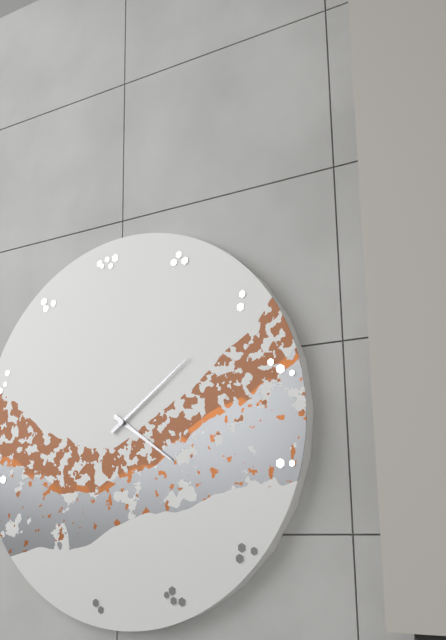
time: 4:09
